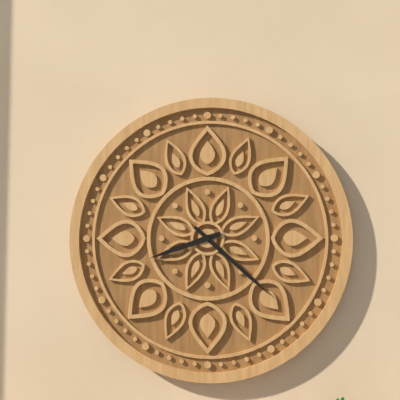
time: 8:22
